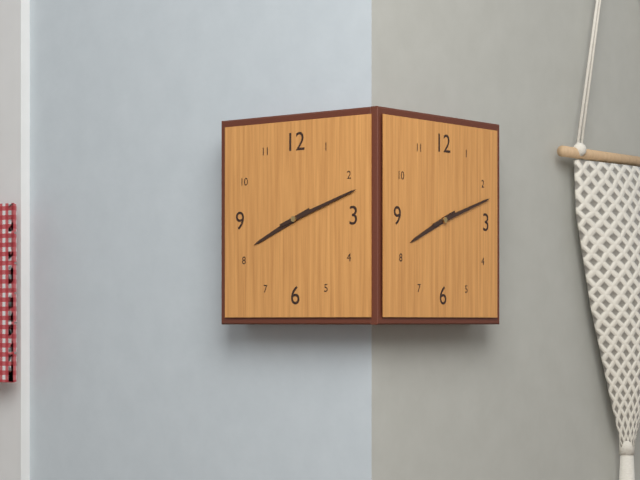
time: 8:12
